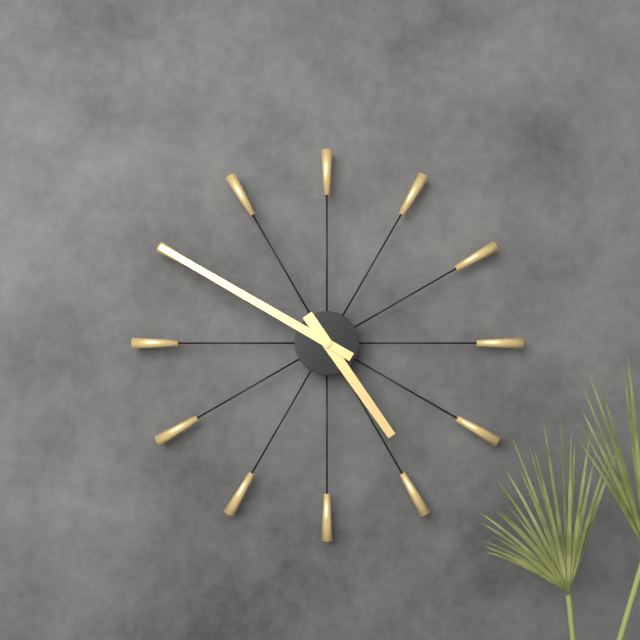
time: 4:50
